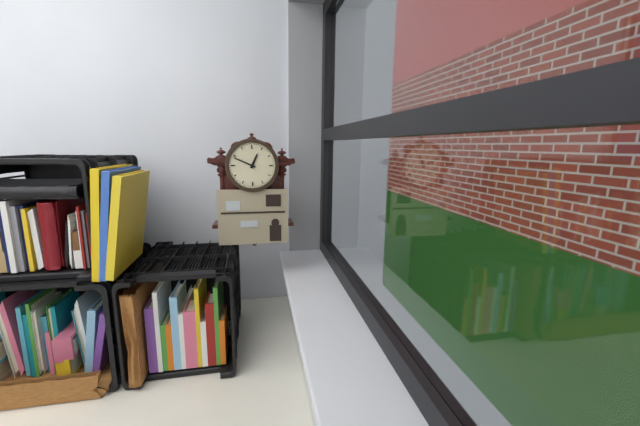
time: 12:49
